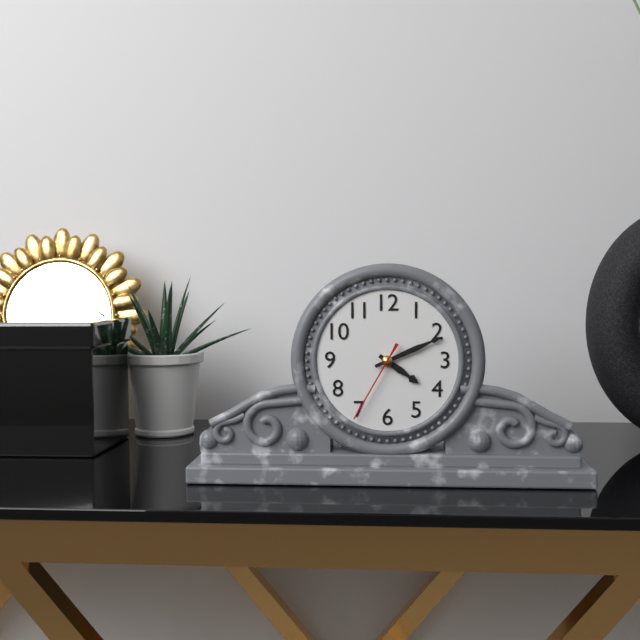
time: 4:11:35
